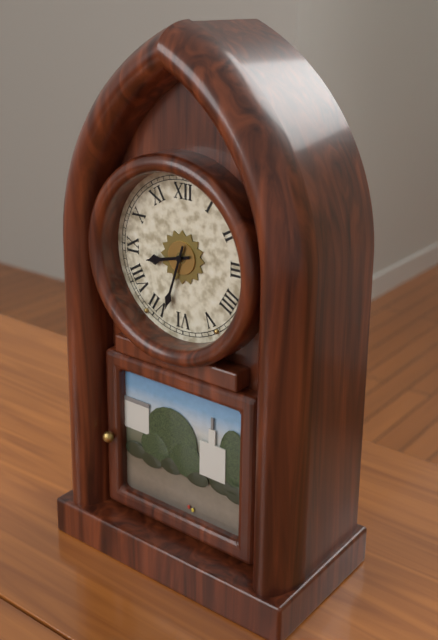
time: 8:33
